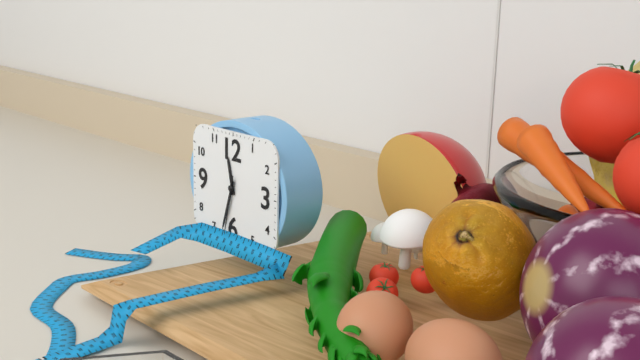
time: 11:33:32
